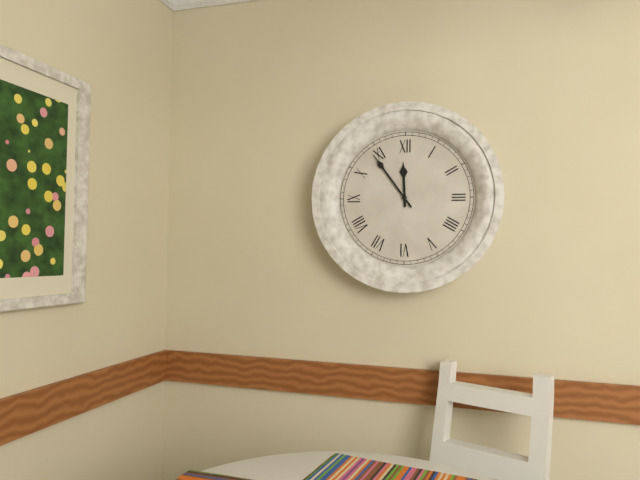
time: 11:54
